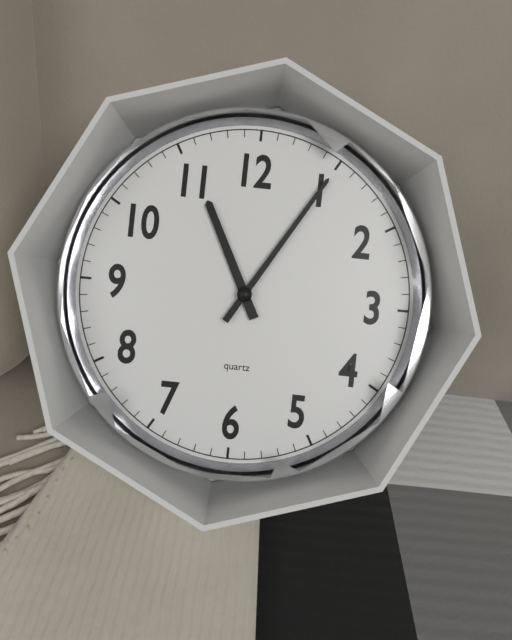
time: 11:05
